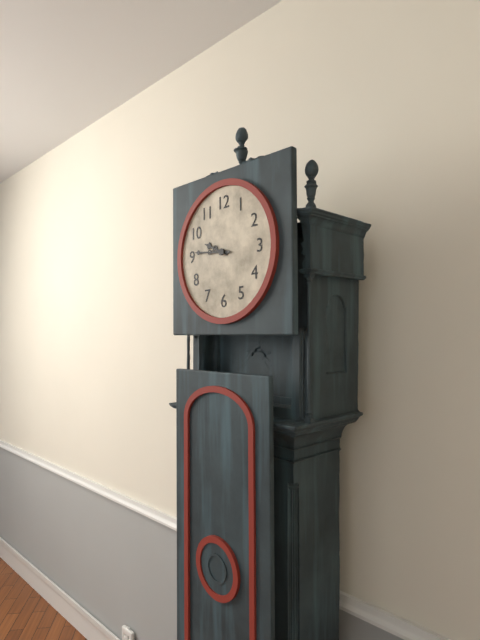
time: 9:46
